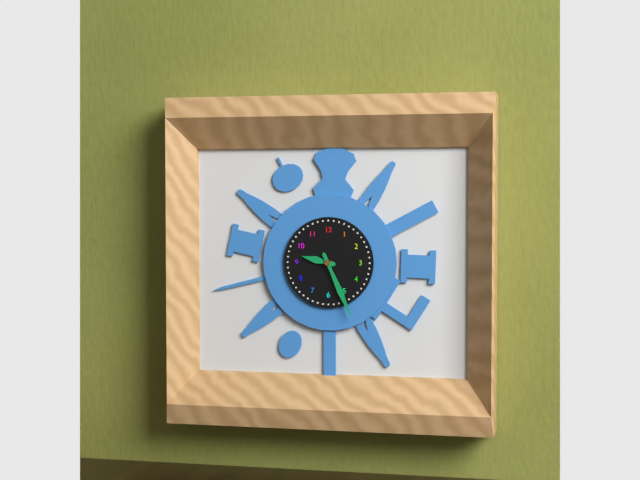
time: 9:26
